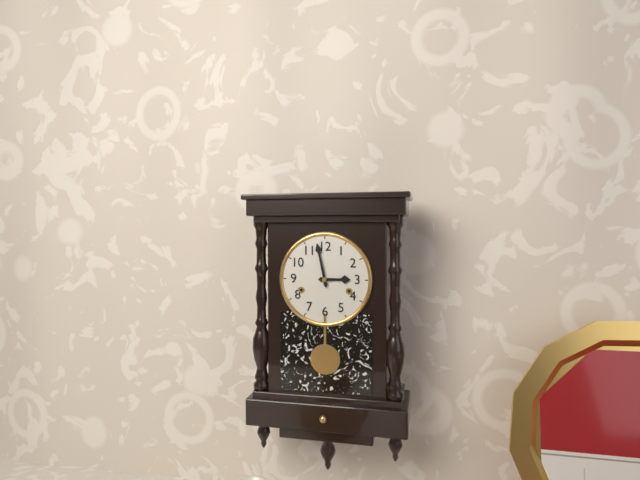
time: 2:58
